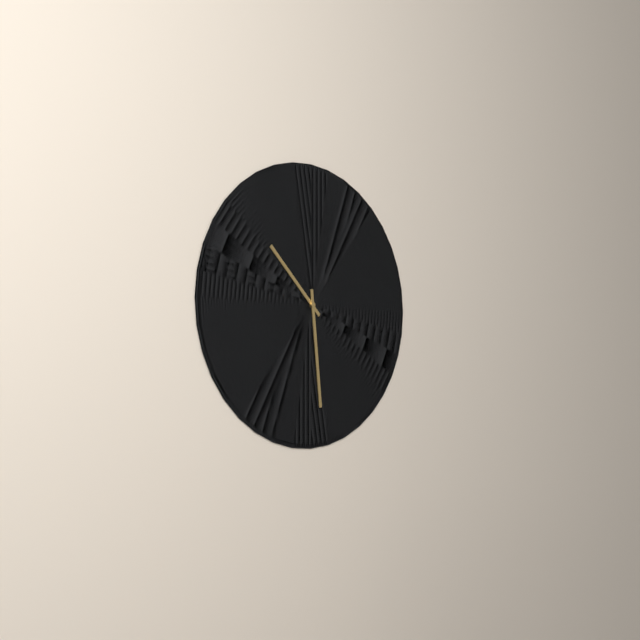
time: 10:29
